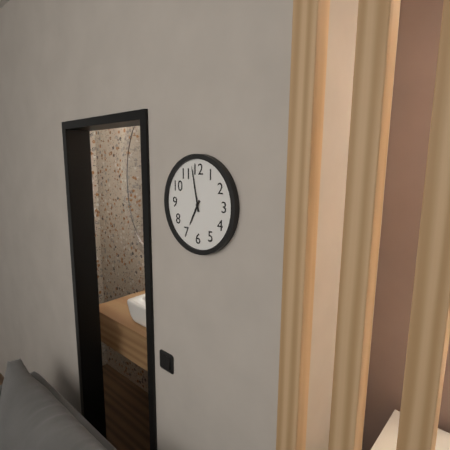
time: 6:58
